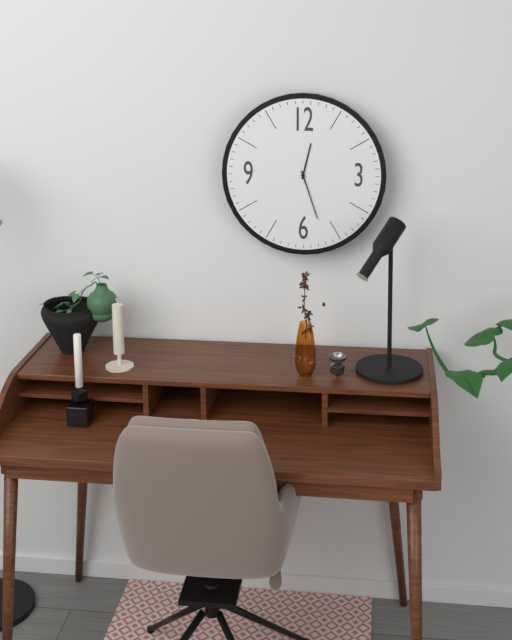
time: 12:27
